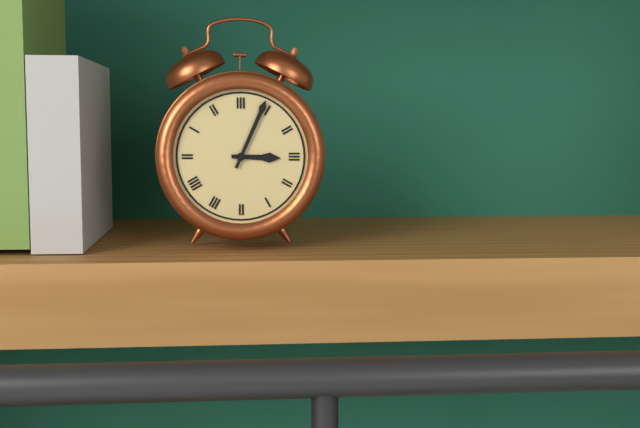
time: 3:04
